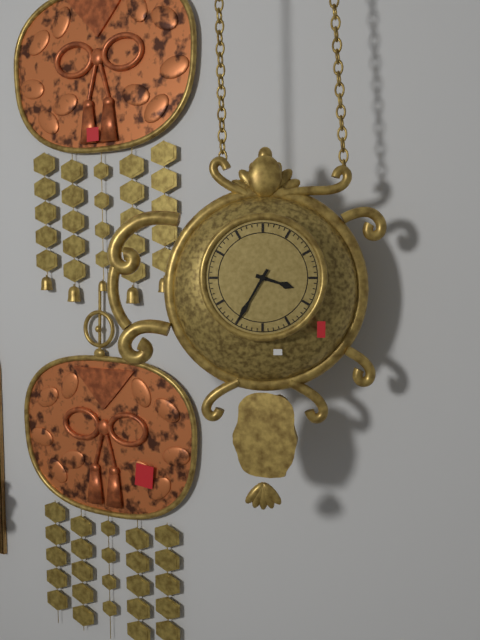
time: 3:35
